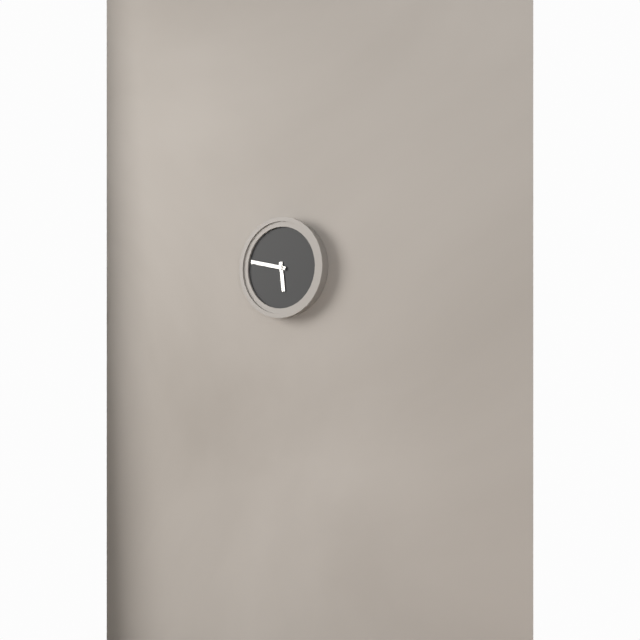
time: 5:47
